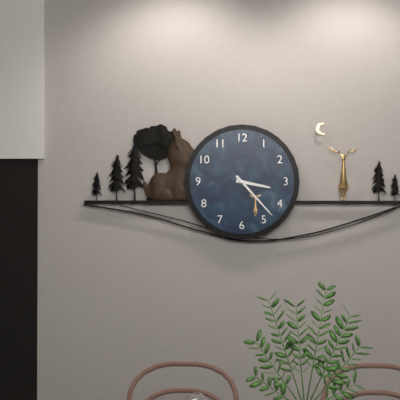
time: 3:23
